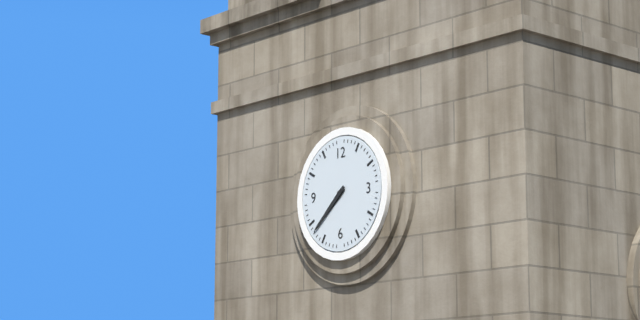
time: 7:38
